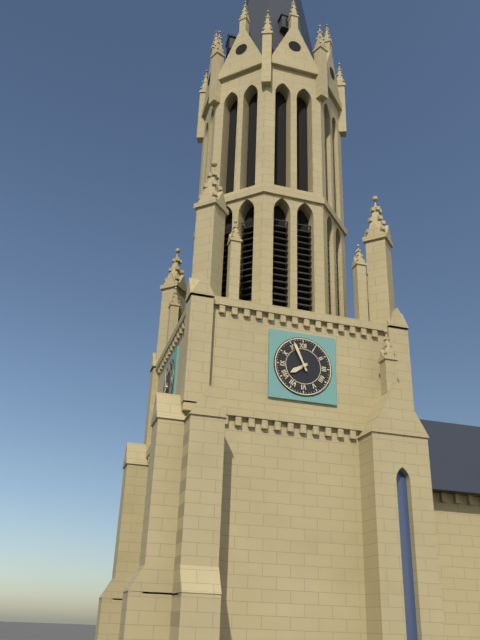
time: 7:56
